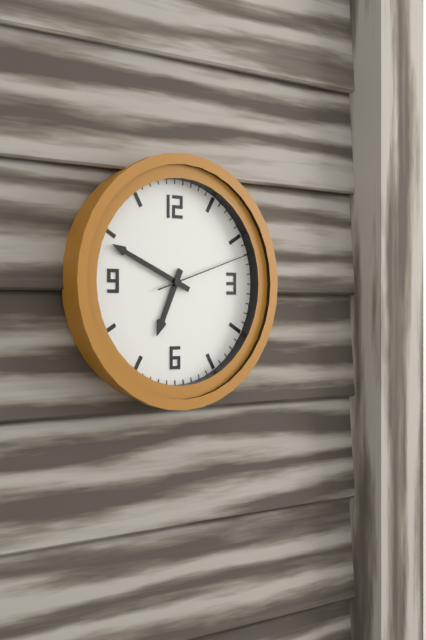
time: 6:49:12
